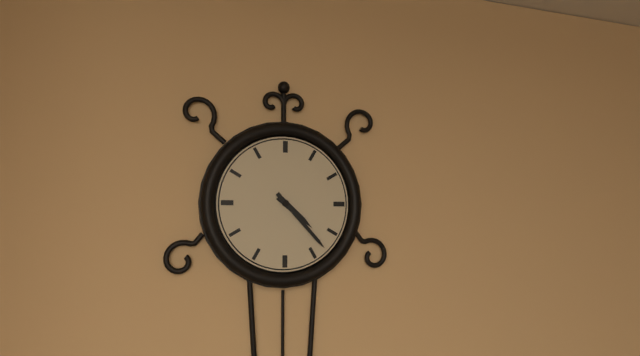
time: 4:23
